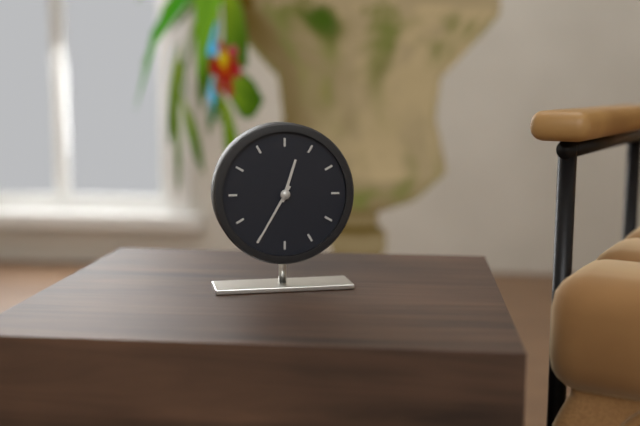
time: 12:35
